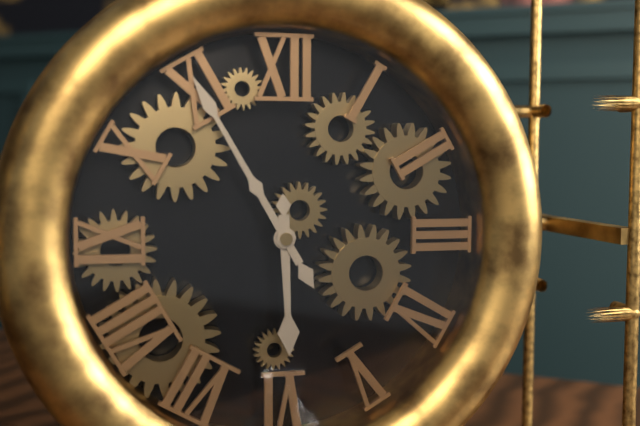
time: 5:55
